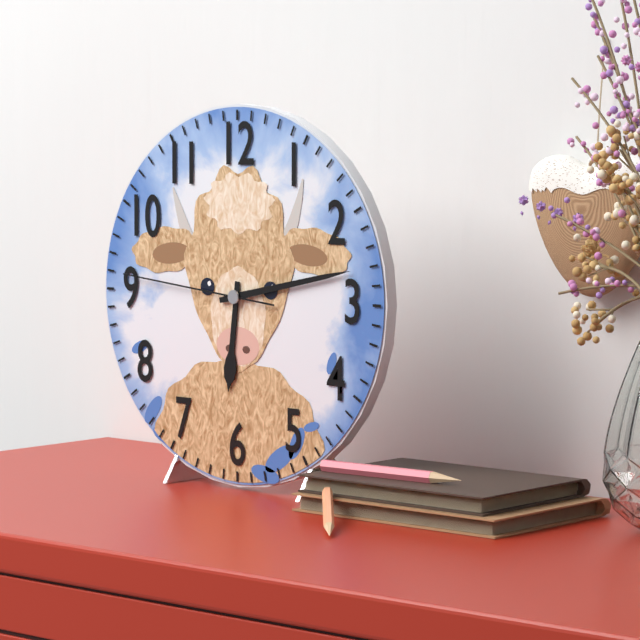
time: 6:13:46
